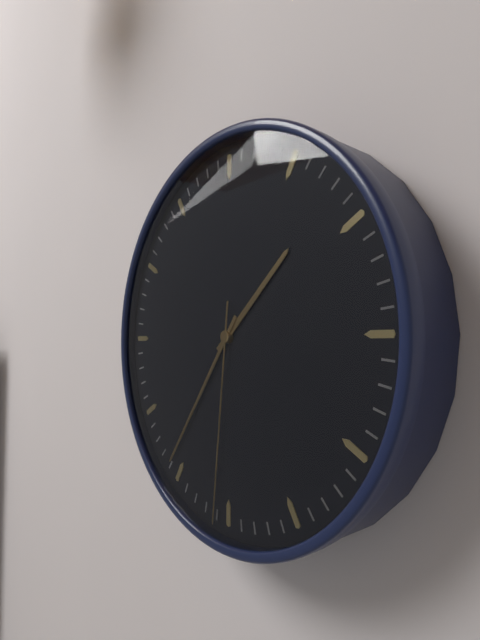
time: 1:36:31
